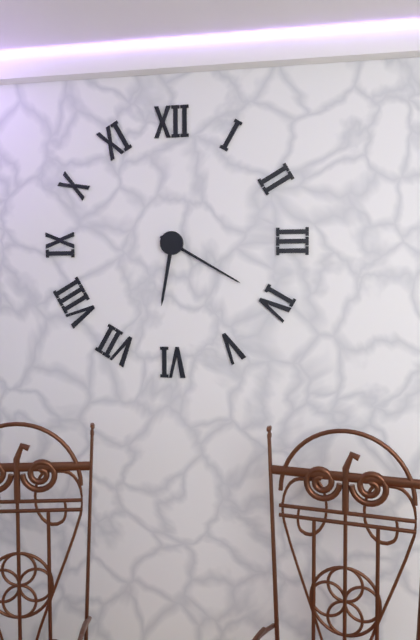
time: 6:20
